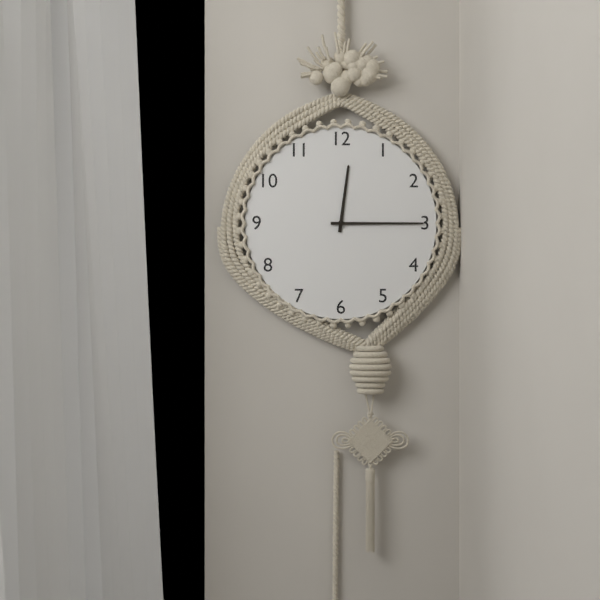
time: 12:15
